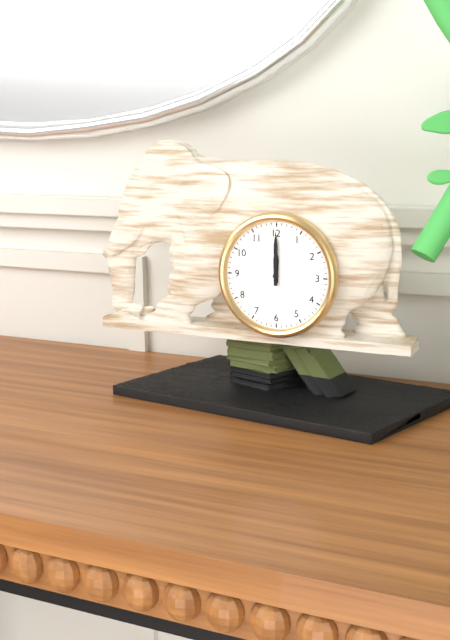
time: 12:00
